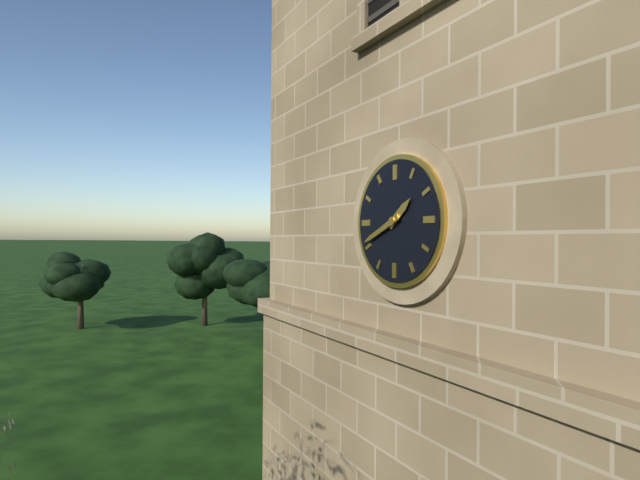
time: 1:41
